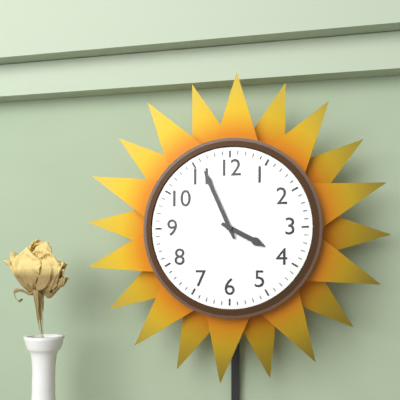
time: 3:56
